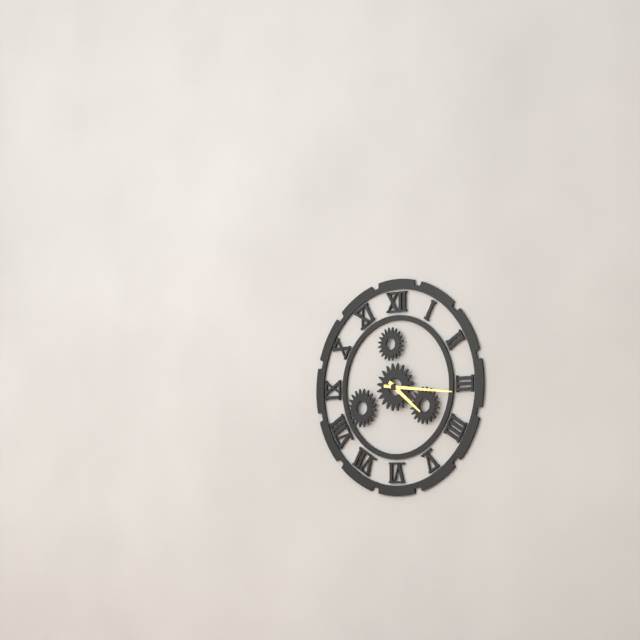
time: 4:16
